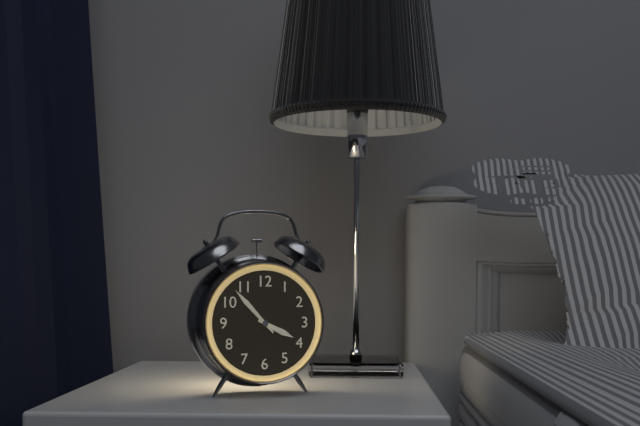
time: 3:53
